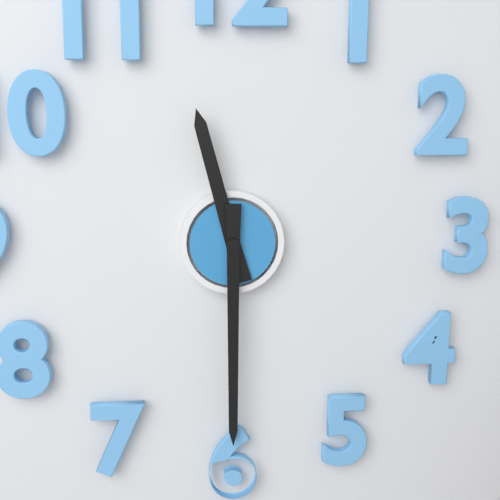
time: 11:30
